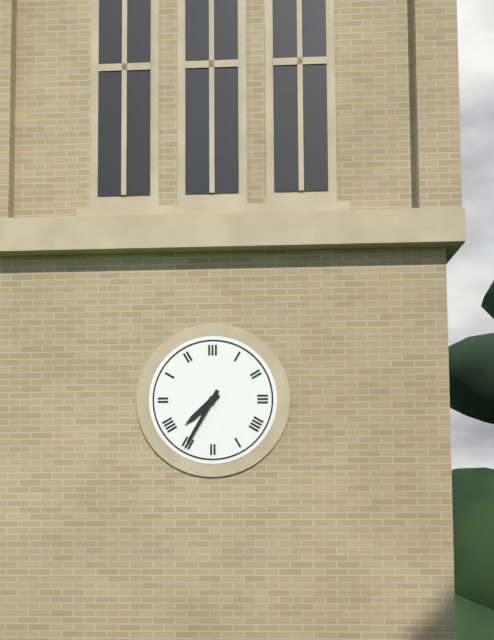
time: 7:35
